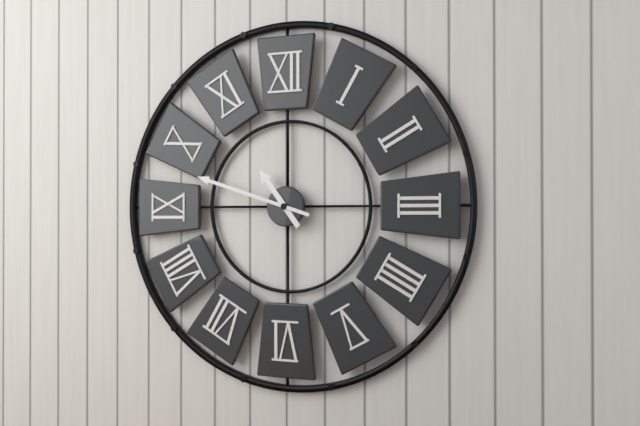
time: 10:48
